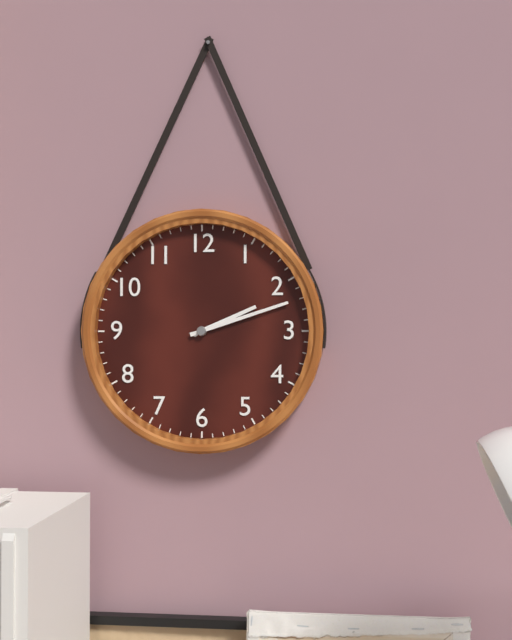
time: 2:12
